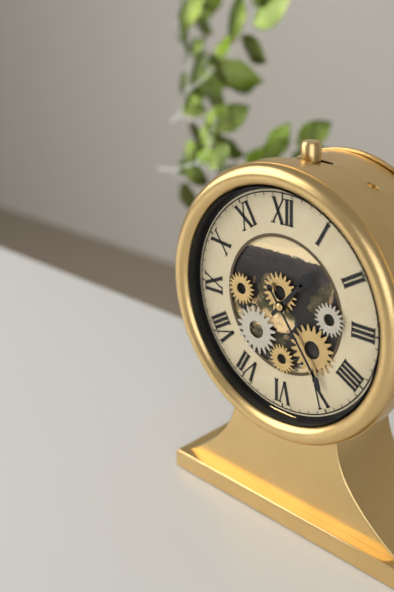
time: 1:24
